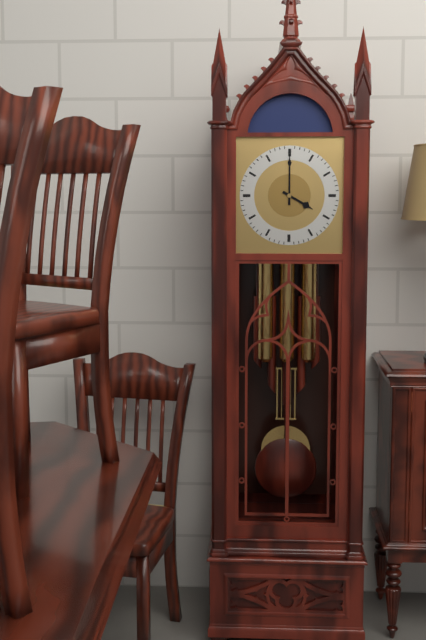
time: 4:00
